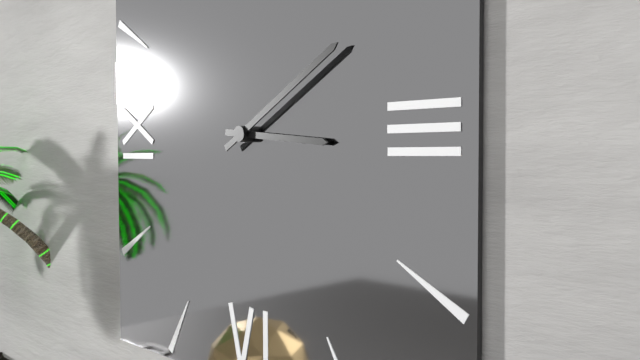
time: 3:10
